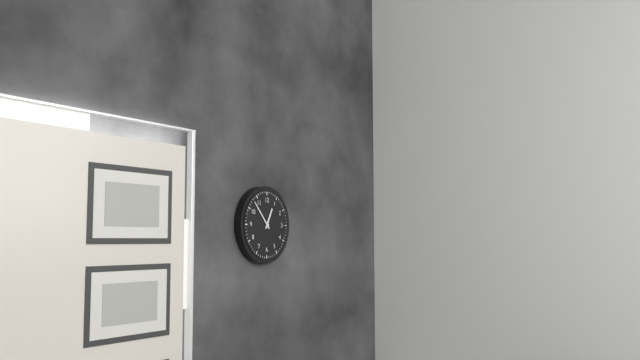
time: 12:53
